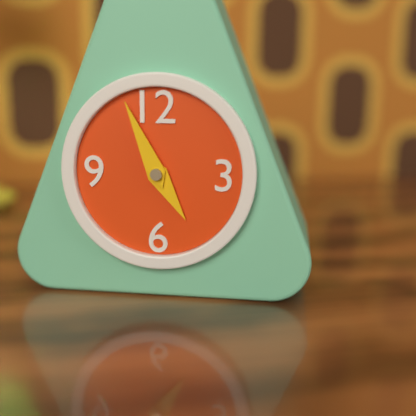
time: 4:56
